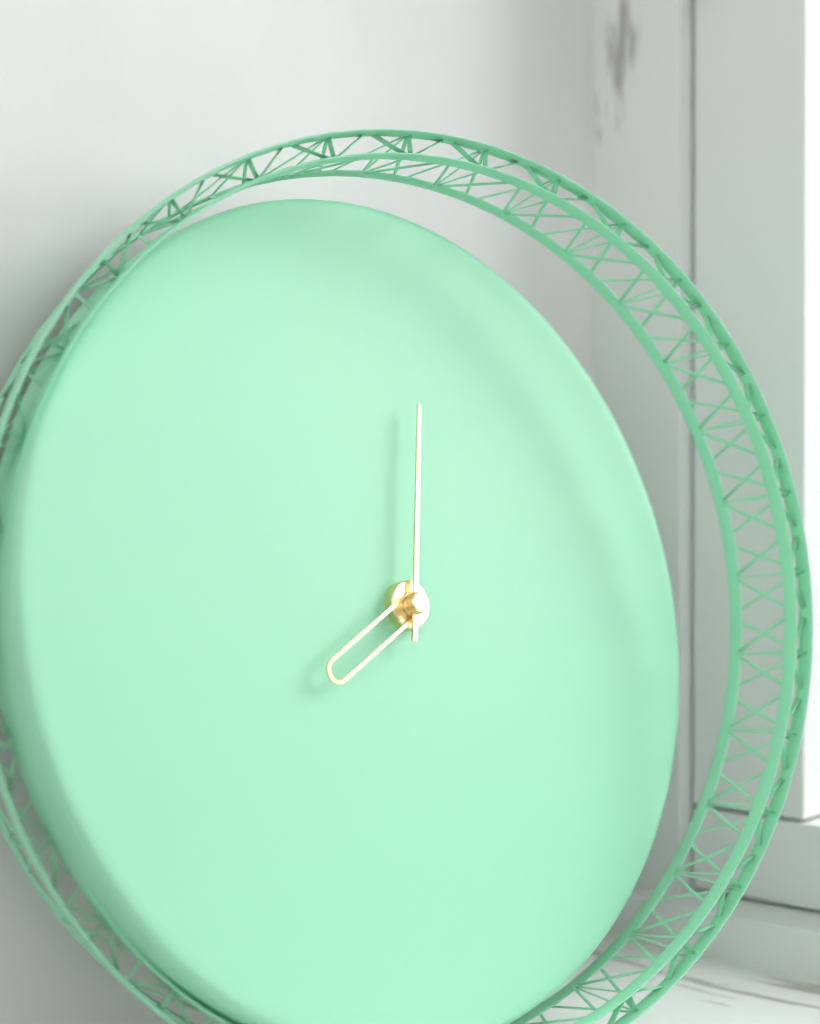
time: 8:02
